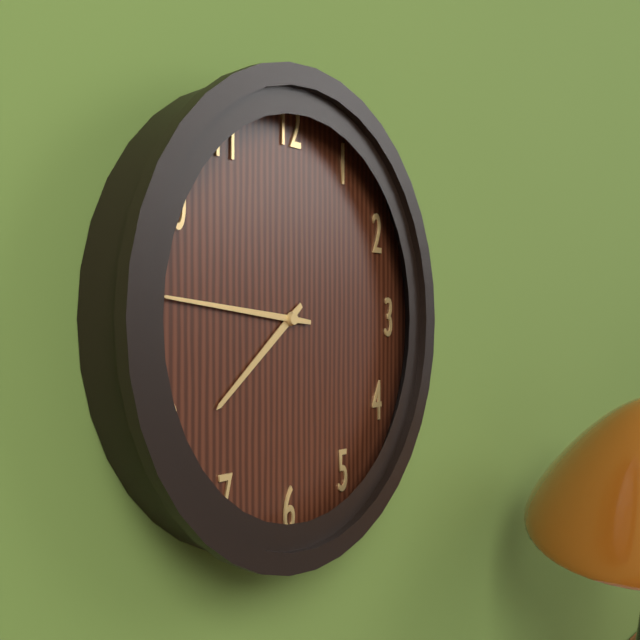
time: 7:46
